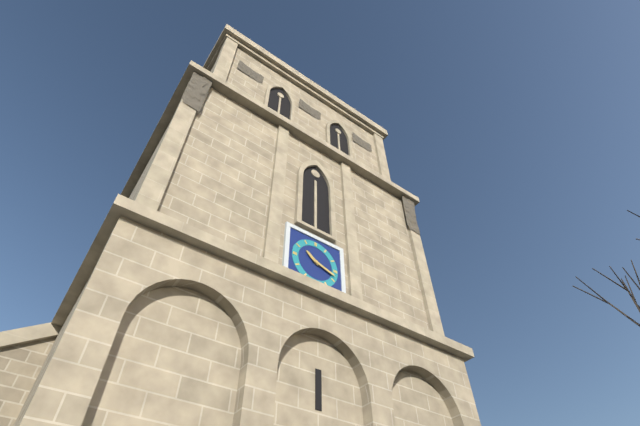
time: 10:18
